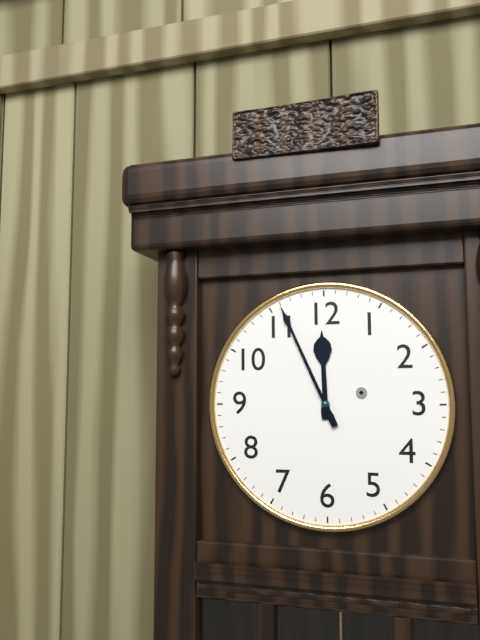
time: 11:56
